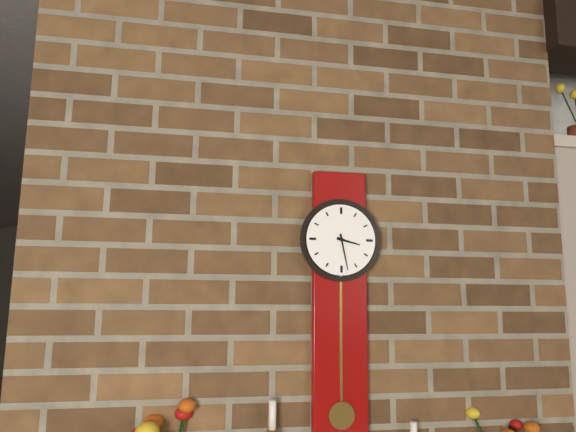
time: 3:28
